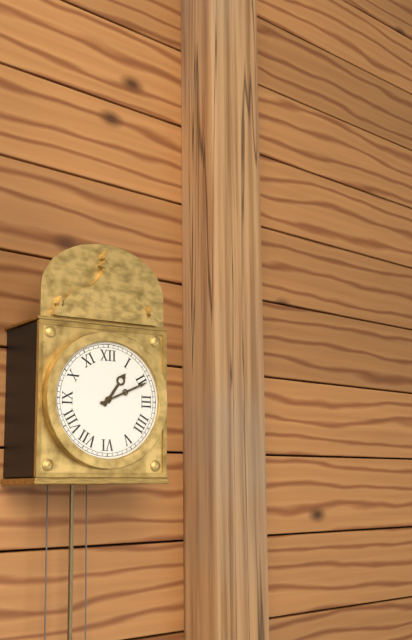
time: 1:11
